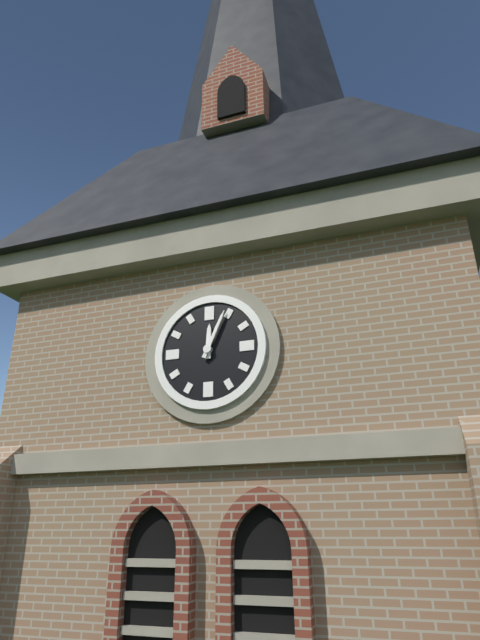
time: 12:04
